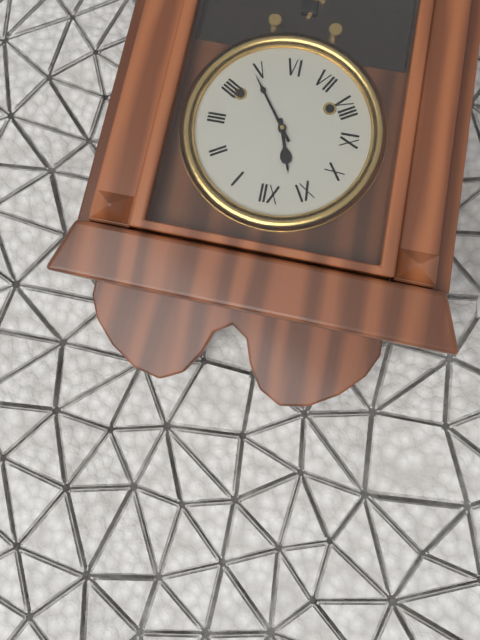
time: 11:24
